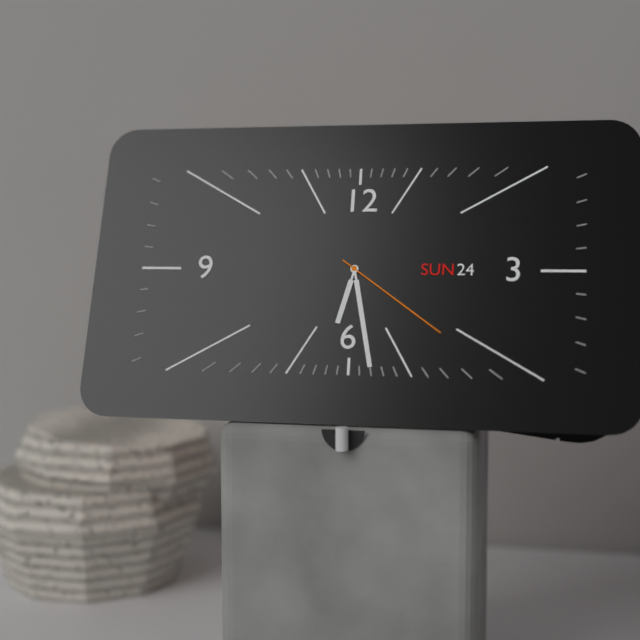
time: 6:28:21
